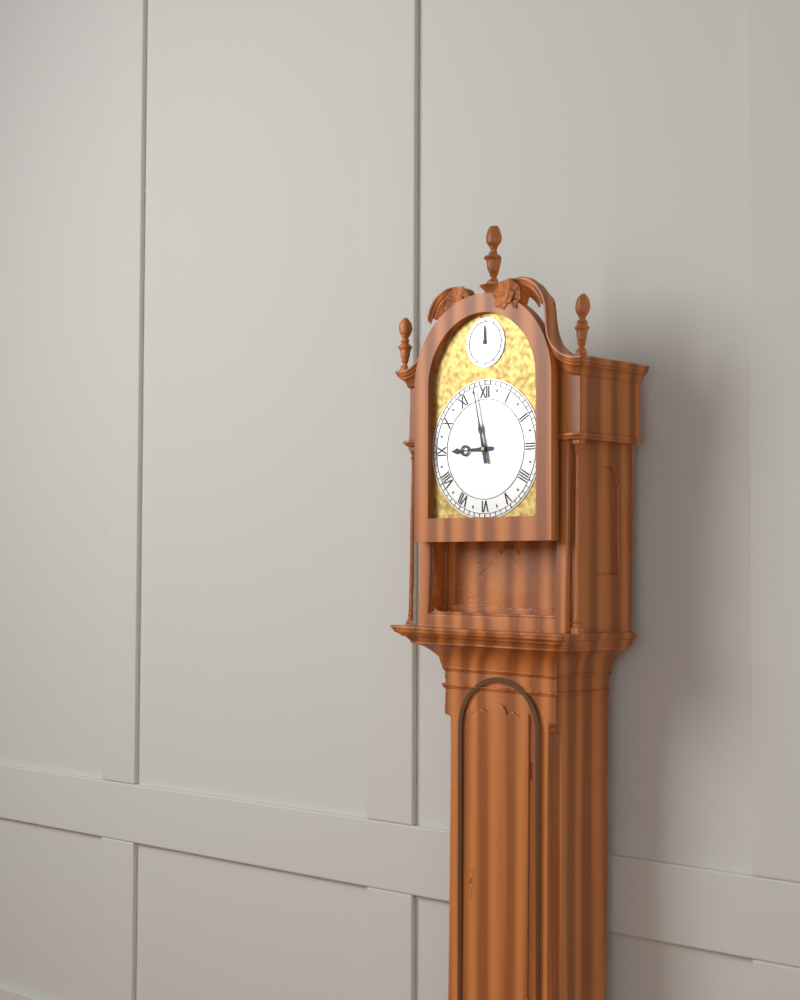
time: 8:58
